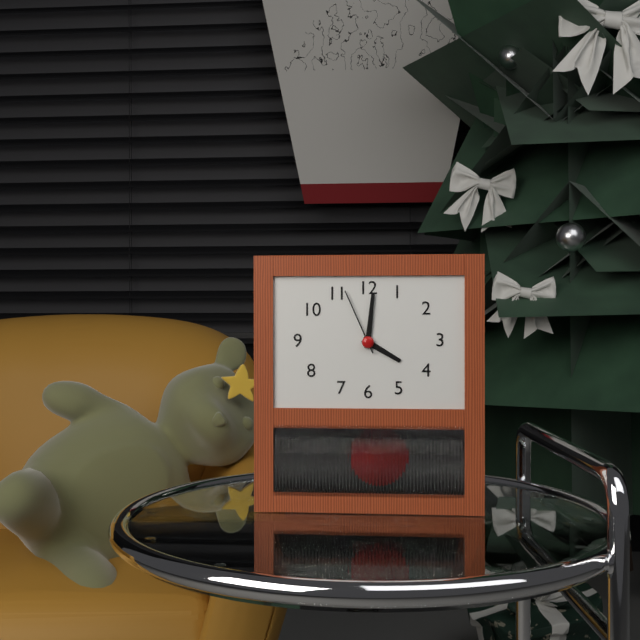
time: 4:01:56
